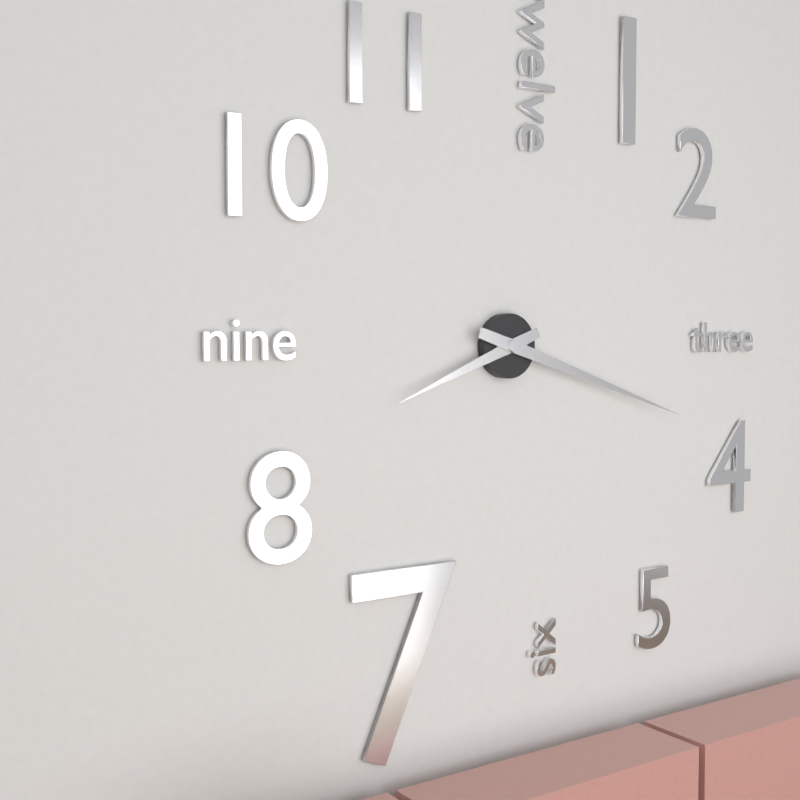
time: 8:18
